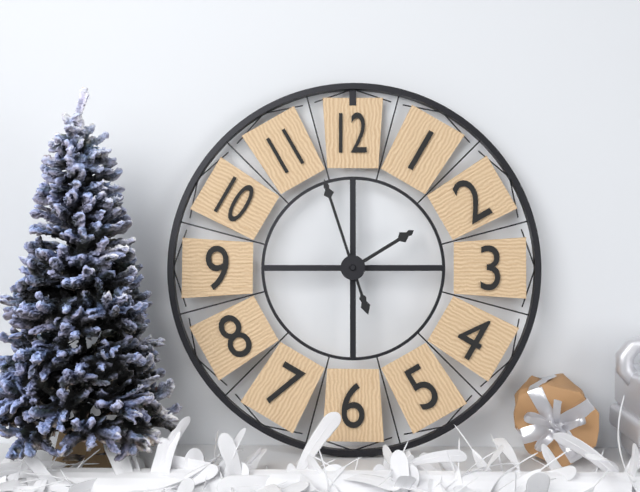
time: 1:57
